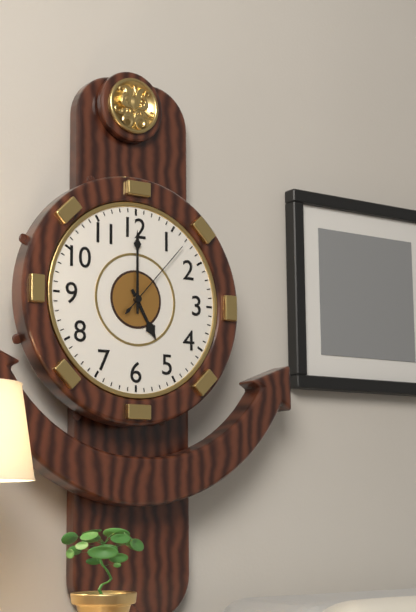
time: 5:00:07
